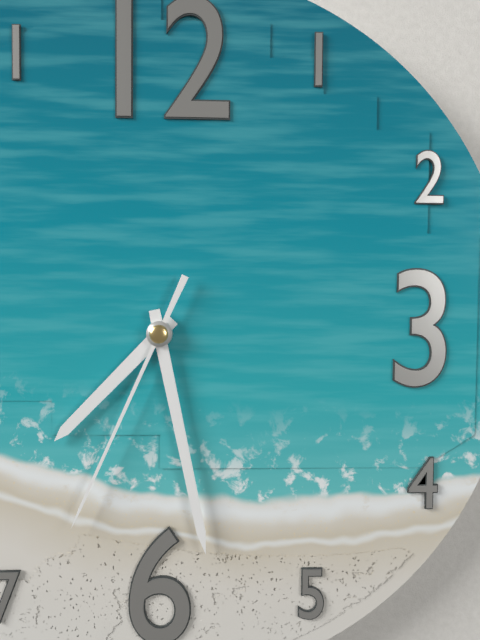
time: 7:28:34
